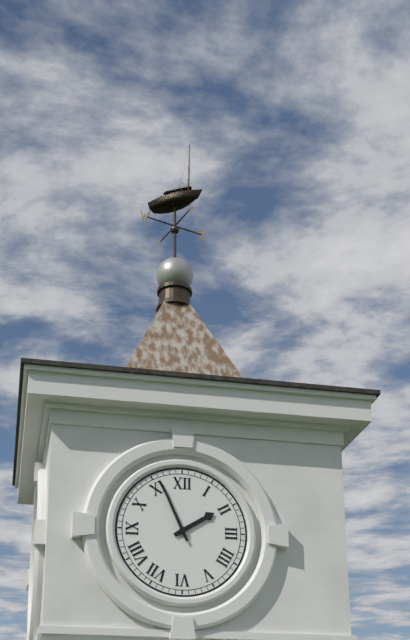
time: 1:56
